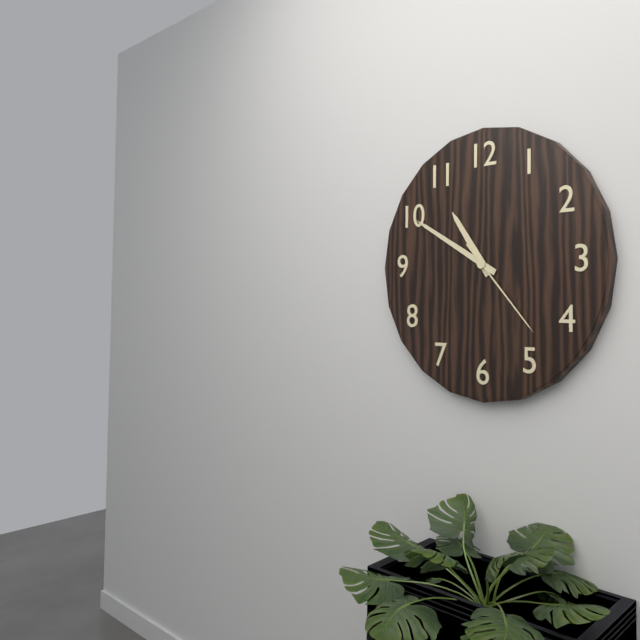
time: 10:50:23
